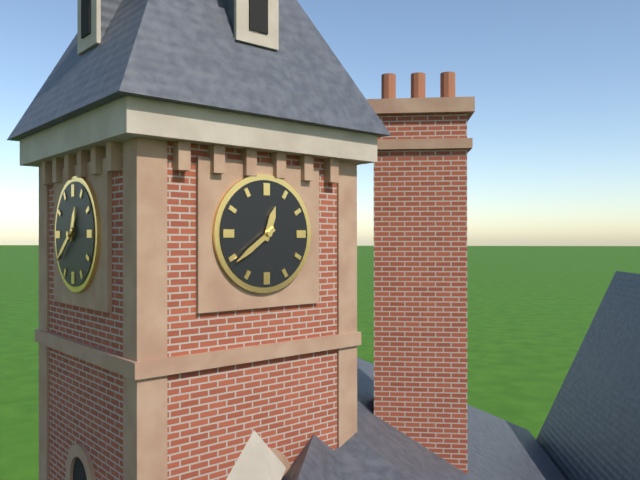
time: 12:39
